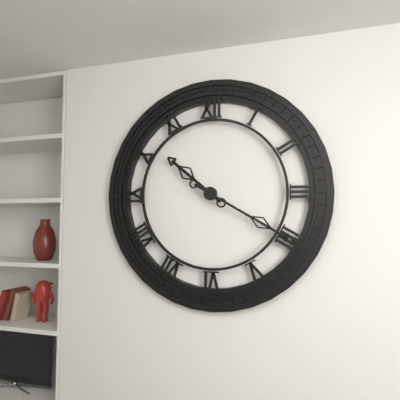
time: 10:20
